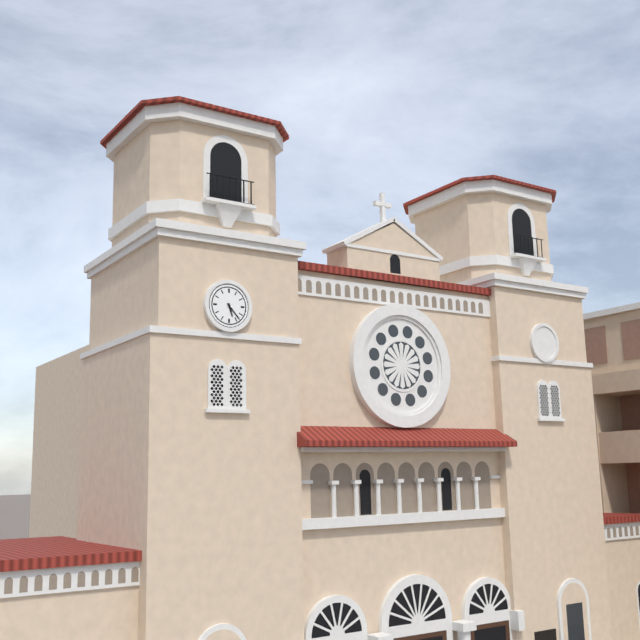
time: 5:23
